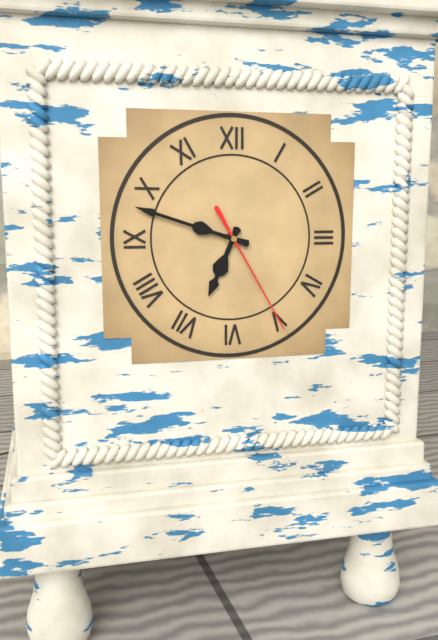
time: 6:48:25
